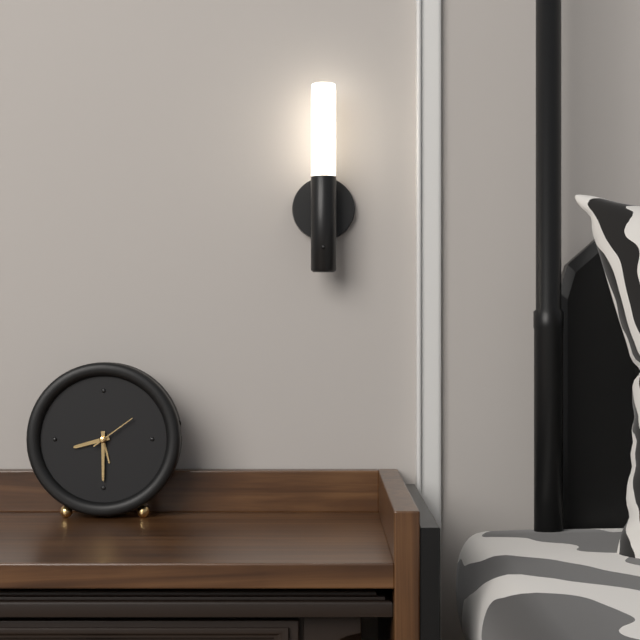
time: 8:30
